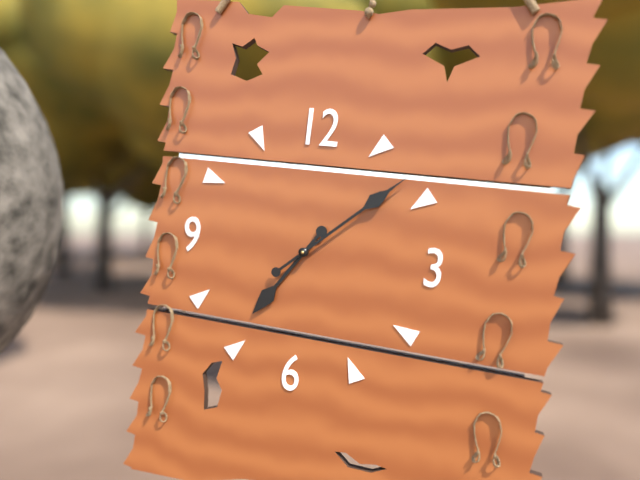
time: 7:08
